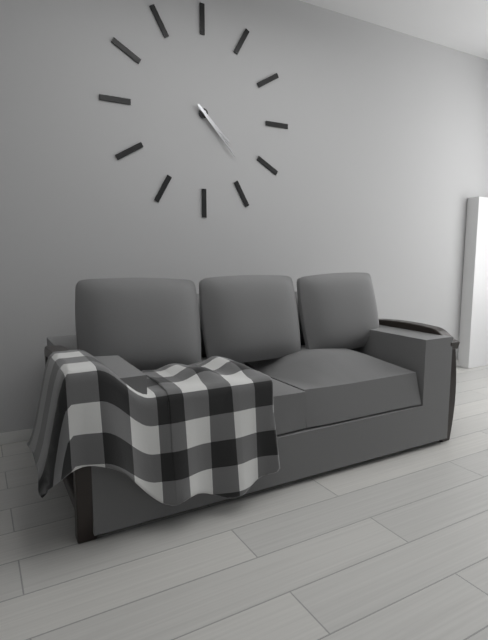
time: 4:23
